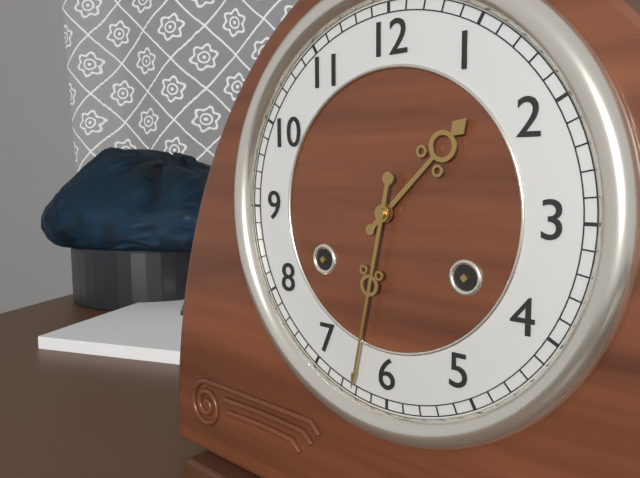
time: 1:32
